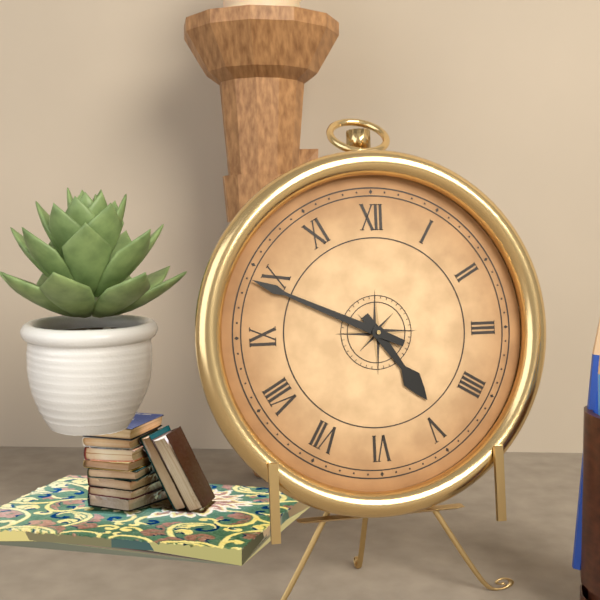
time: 4:49
